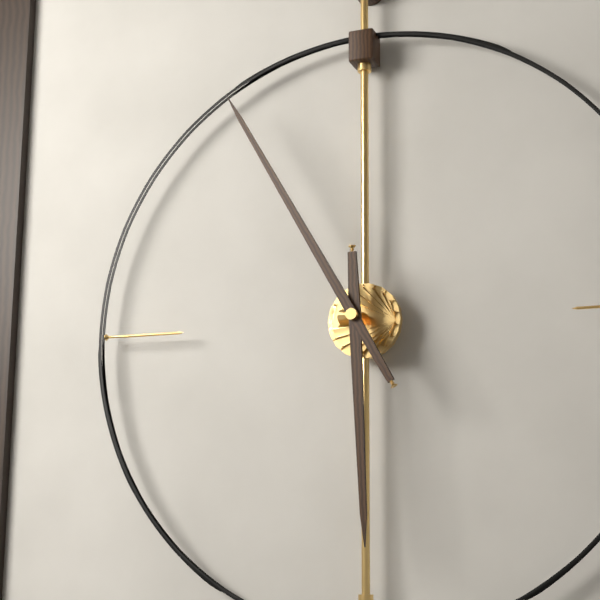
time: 5:55
